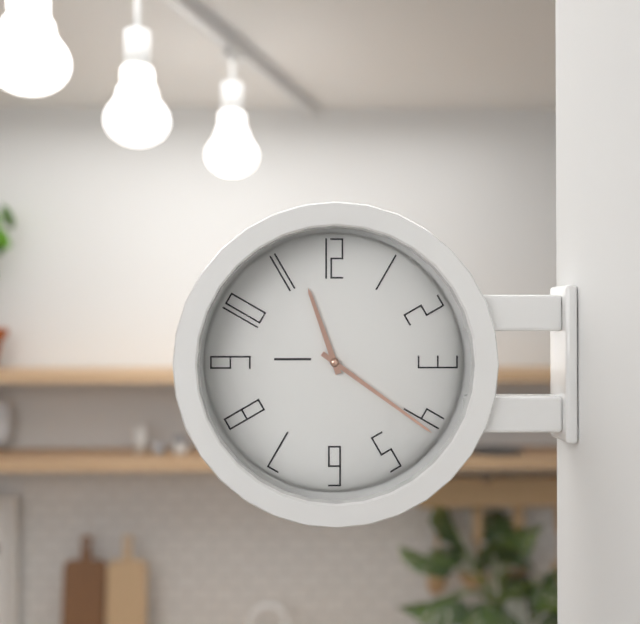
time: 11:21
